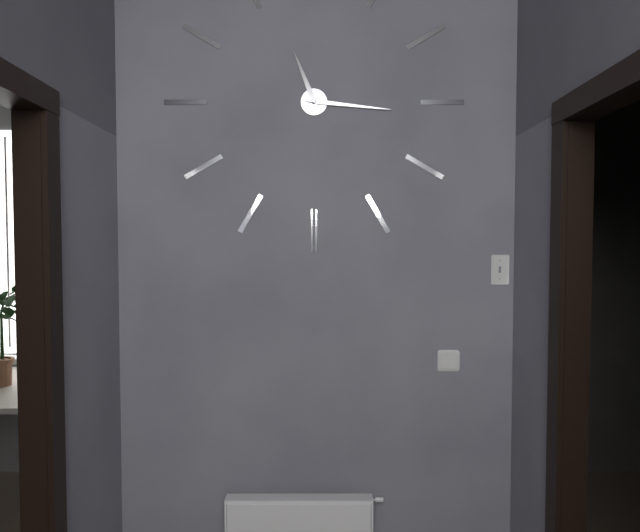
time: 11:16
